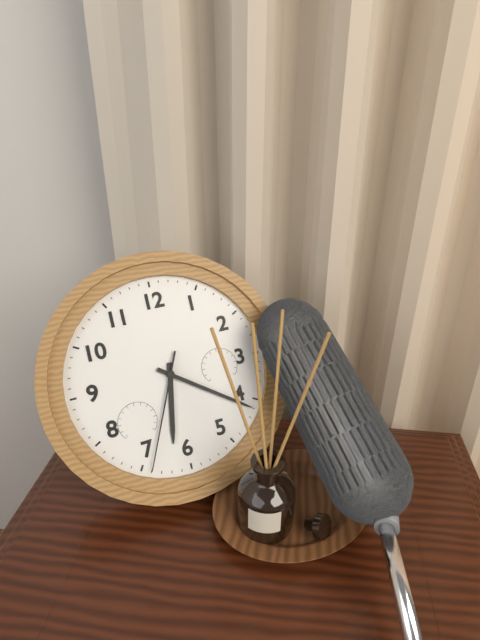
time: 6:21:34
